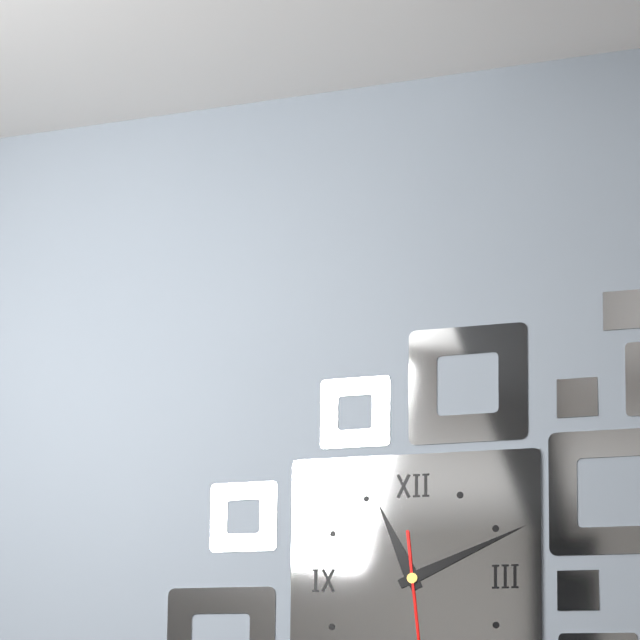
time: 11:11
